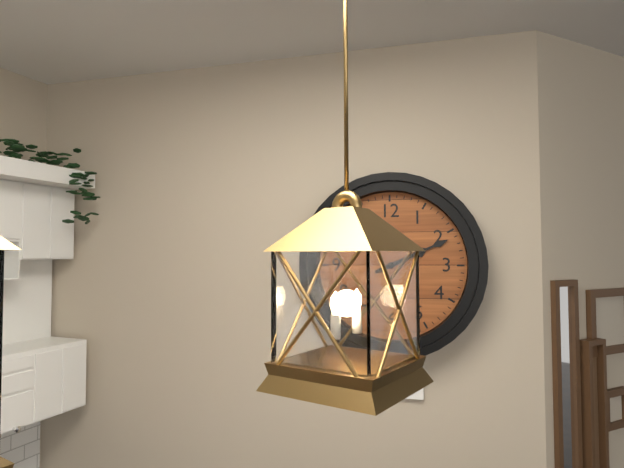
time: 2:11
